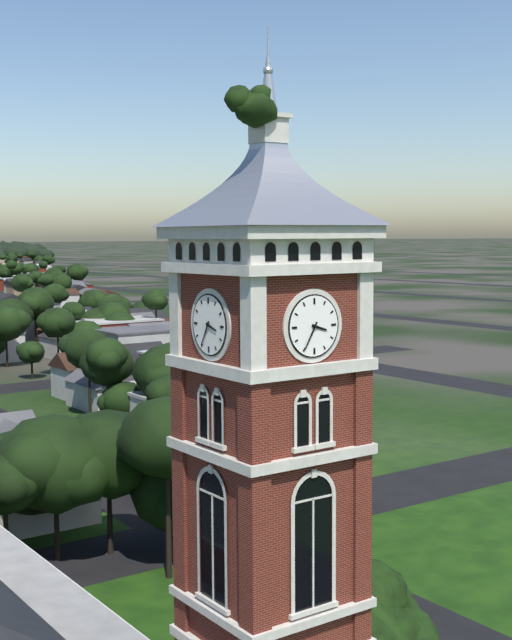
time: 3:35
